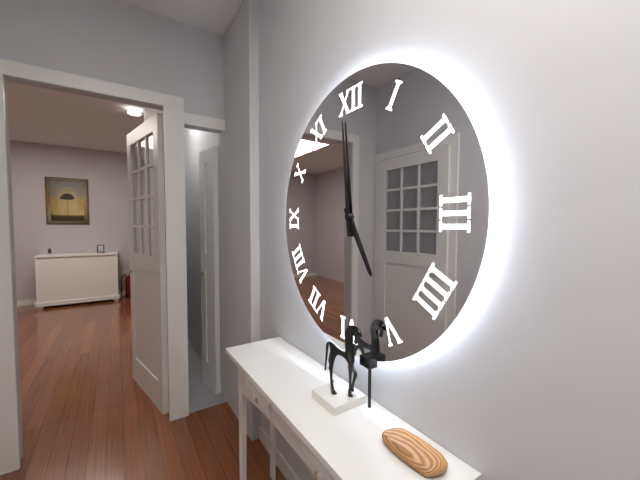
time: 4:59
